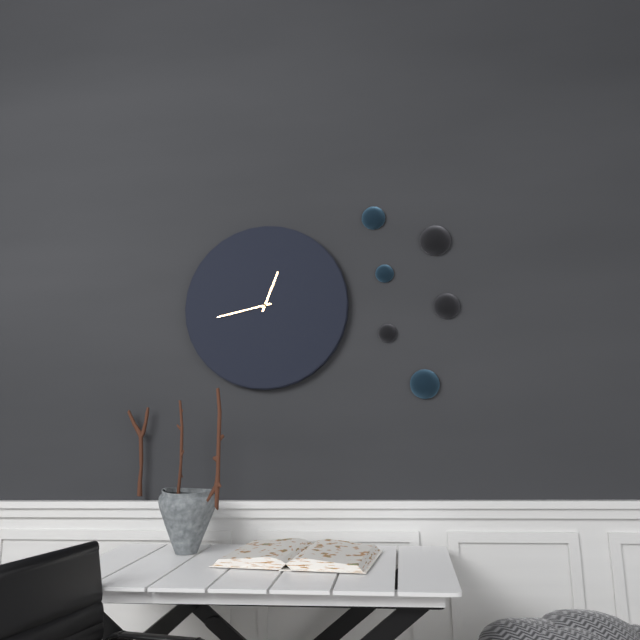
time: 12:43
